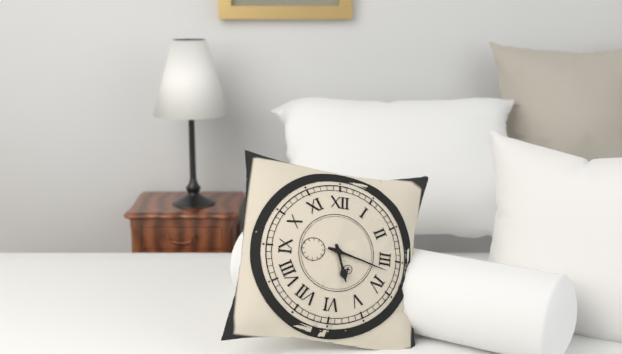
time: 5:17
